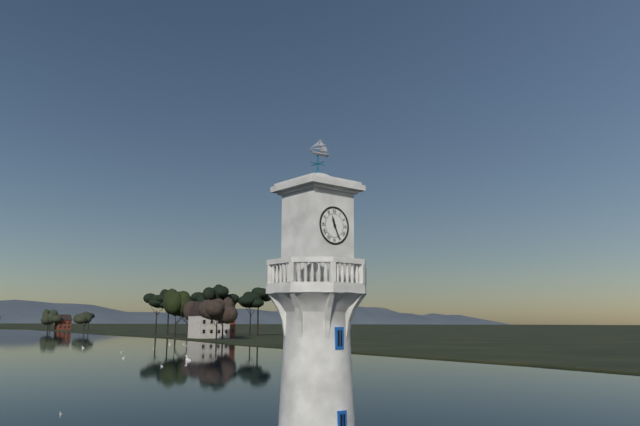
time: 11:26
